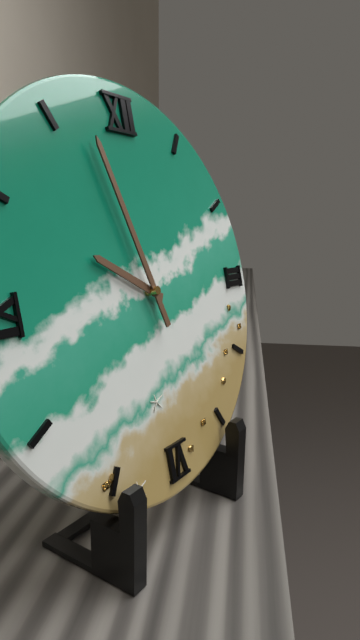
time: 9:57
